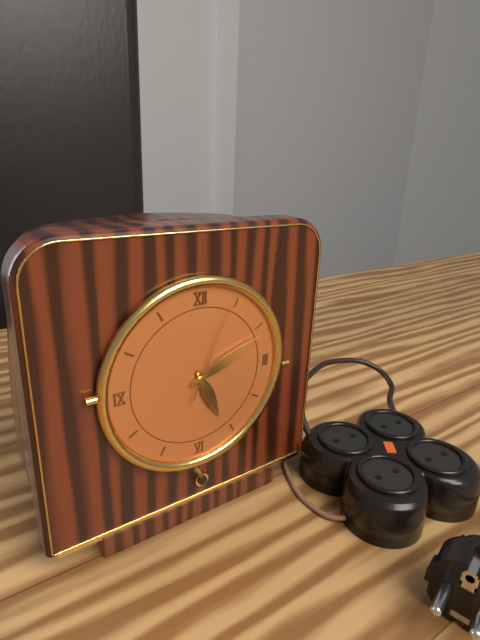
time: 5:11:04
